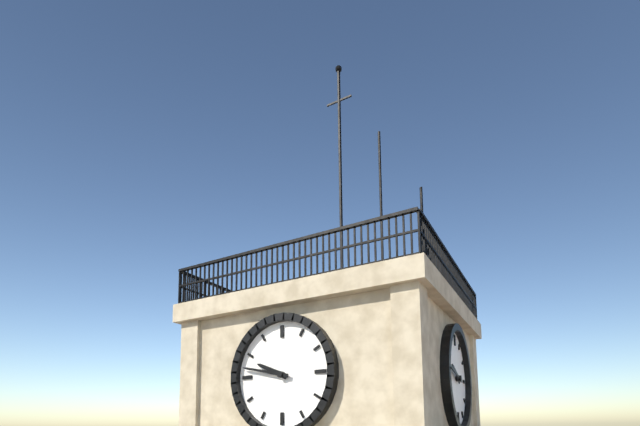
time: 9:47
